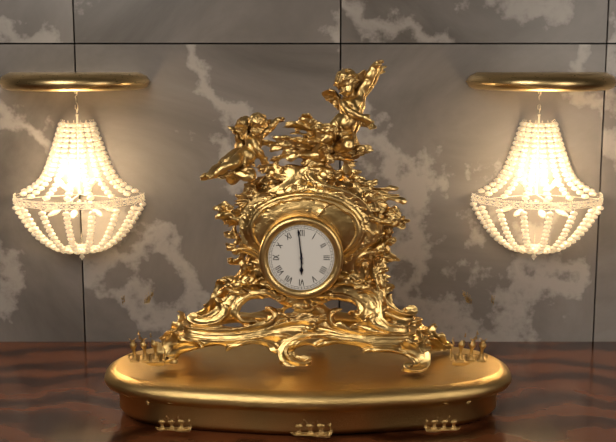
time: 5:59
